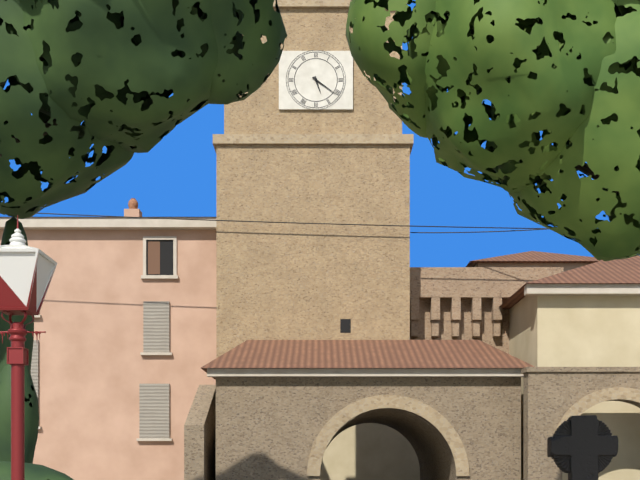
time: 5:21
